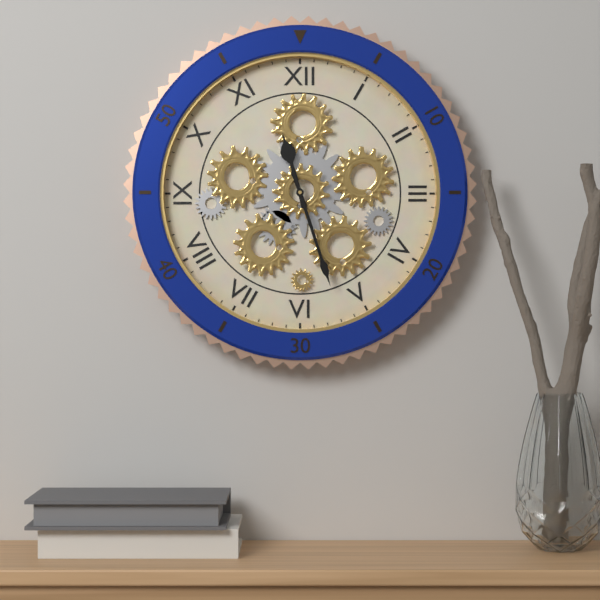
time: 11:27
